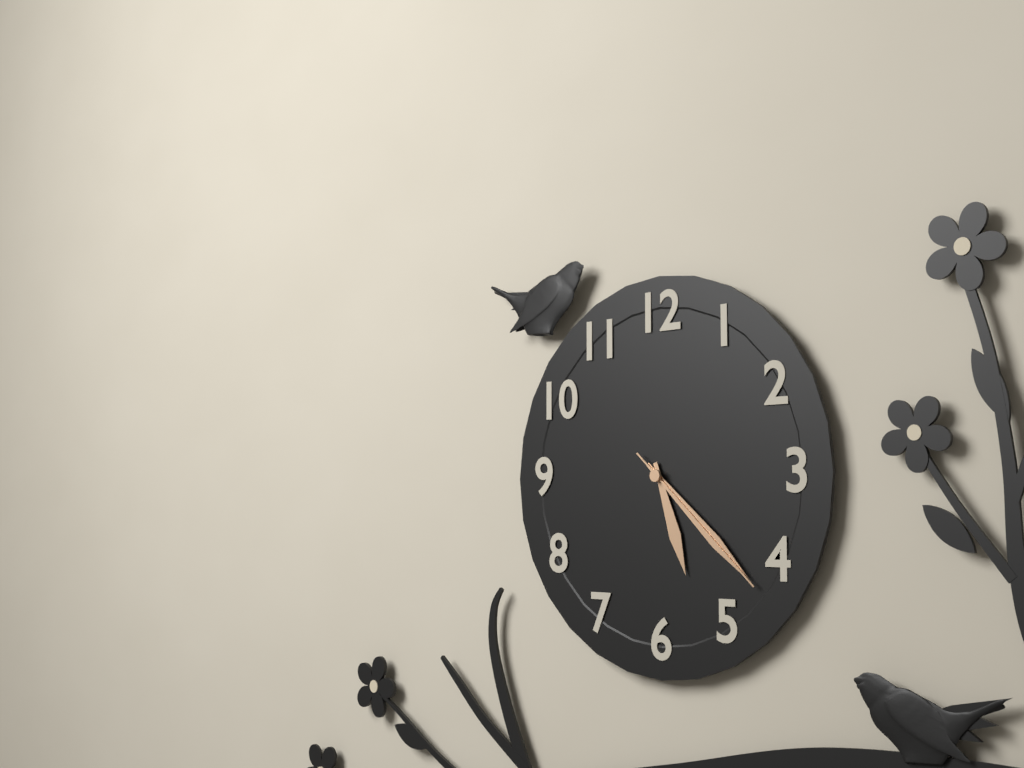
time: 5:22:22
